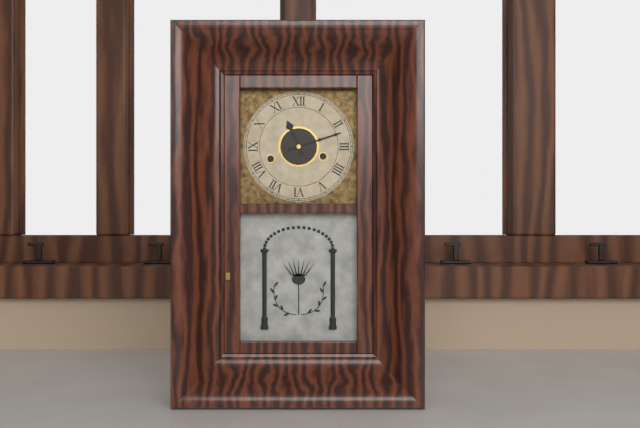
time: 11:12
